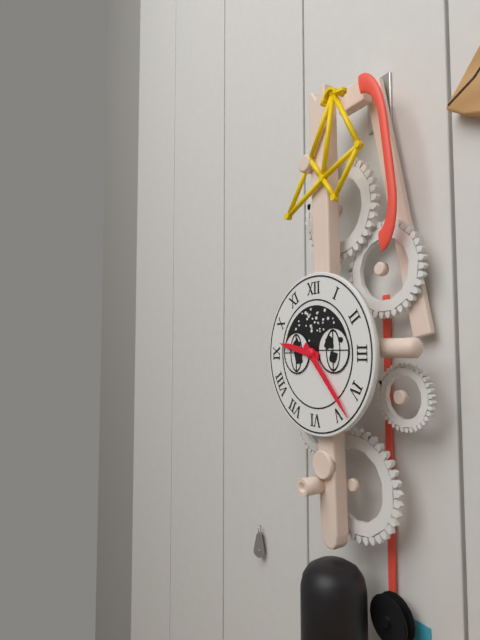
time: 9:23
